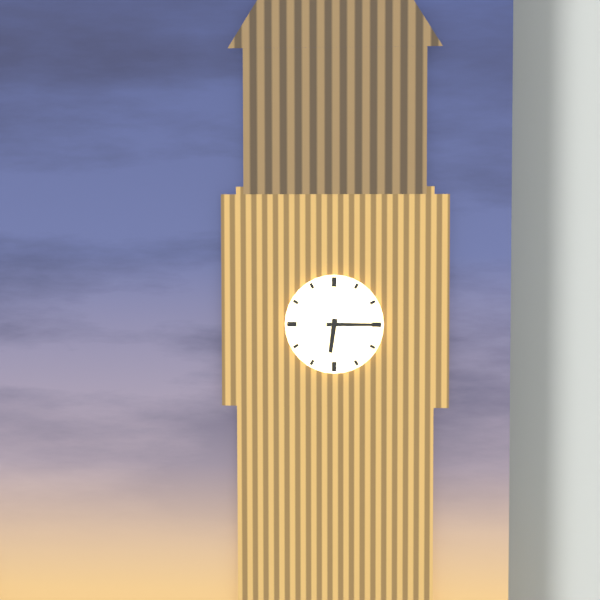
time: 6:15
